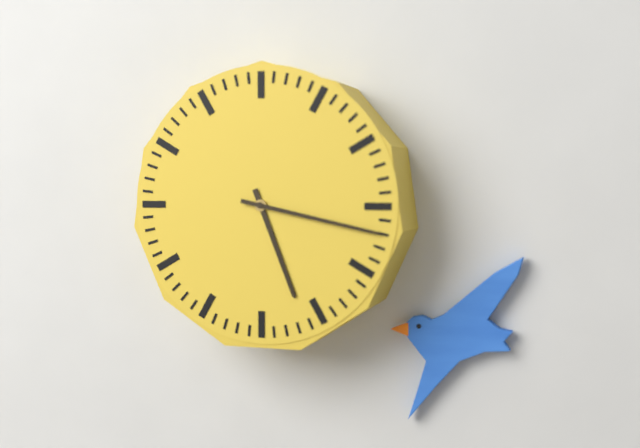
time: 5:17
